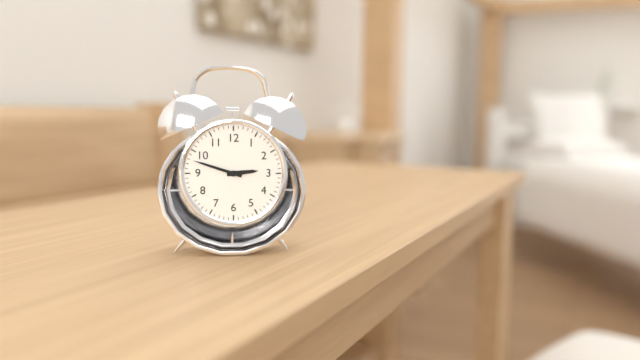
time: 2:48
